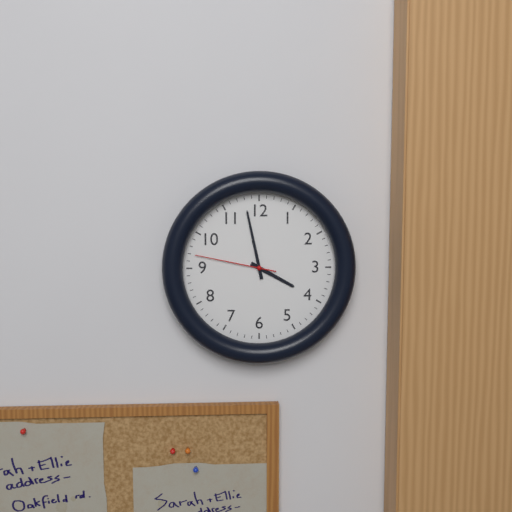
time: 3:58:47
